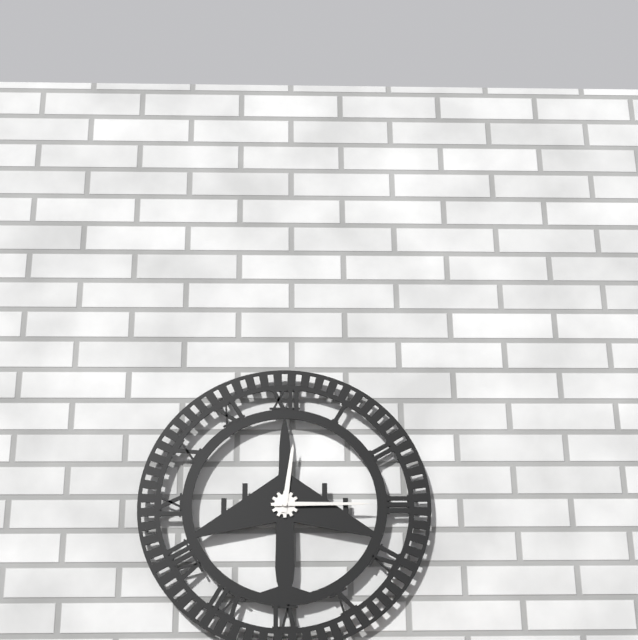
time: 12:15
